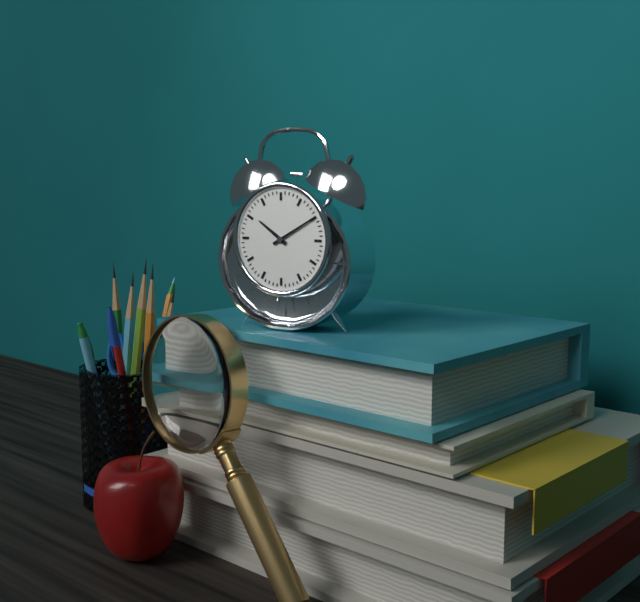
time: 10:10
